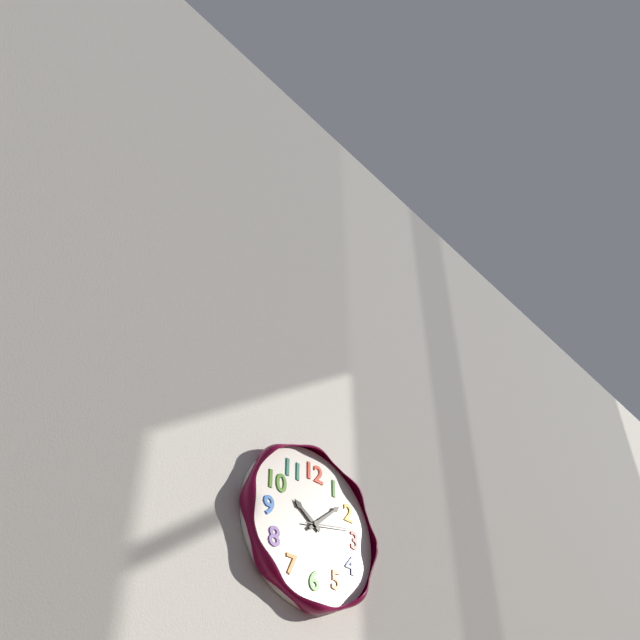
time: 10:08
